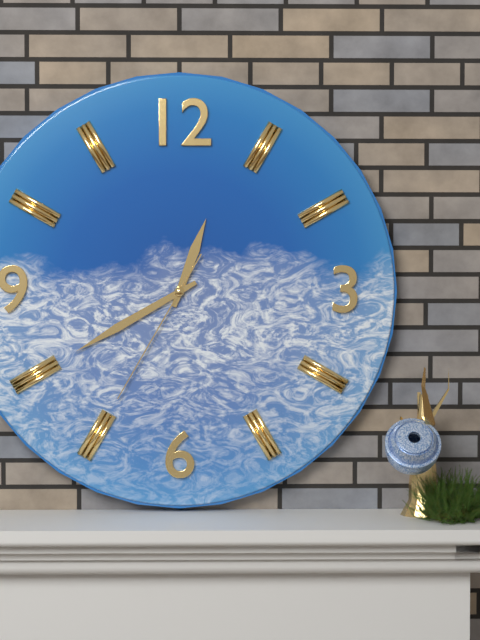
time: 12:40:35
